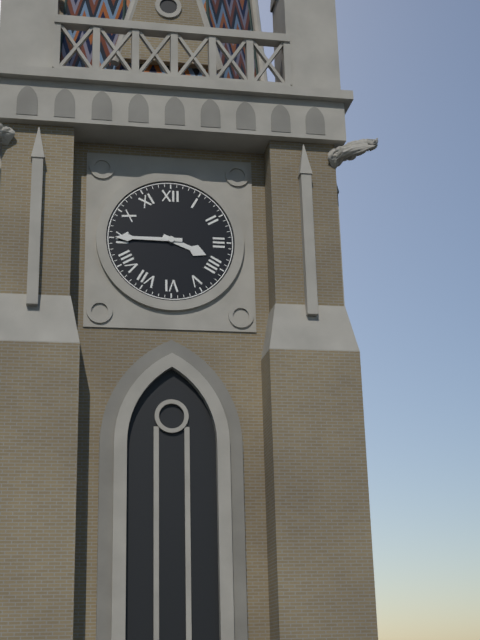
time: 3:45
